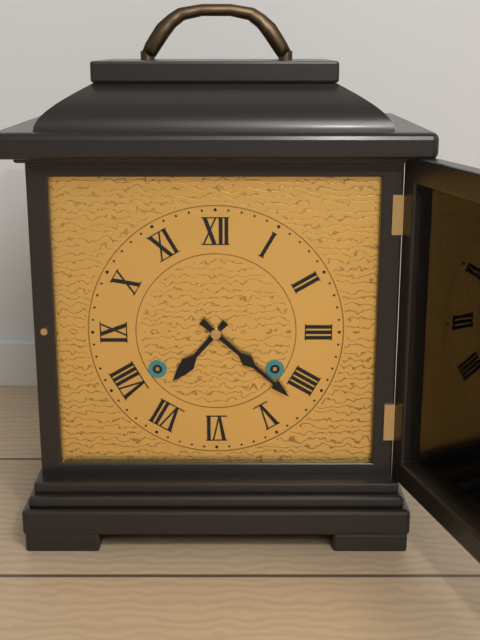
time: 7:22
